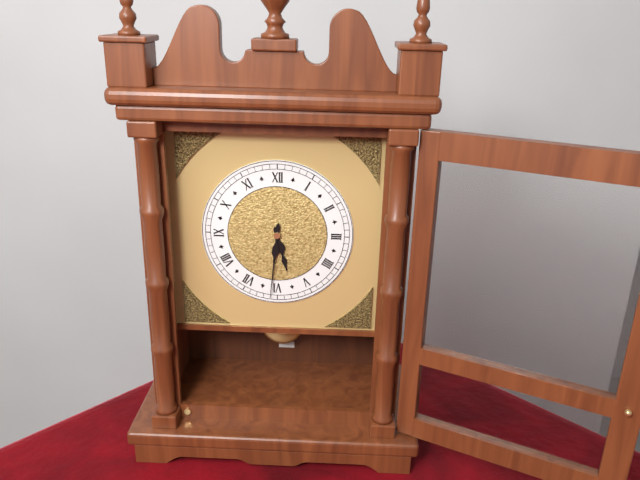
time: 5:31
